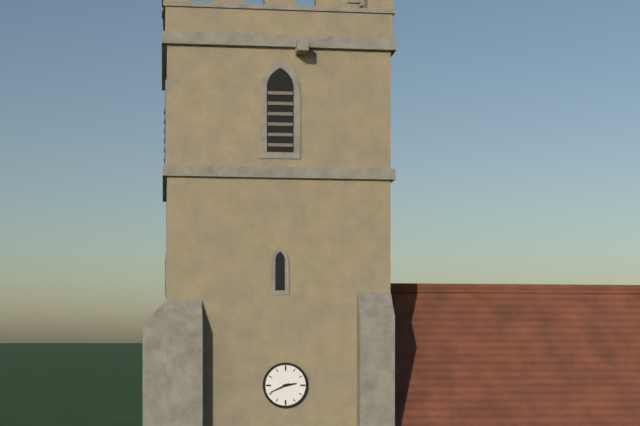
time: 2:41
